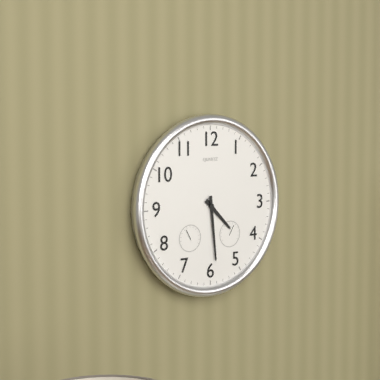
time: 4:29
